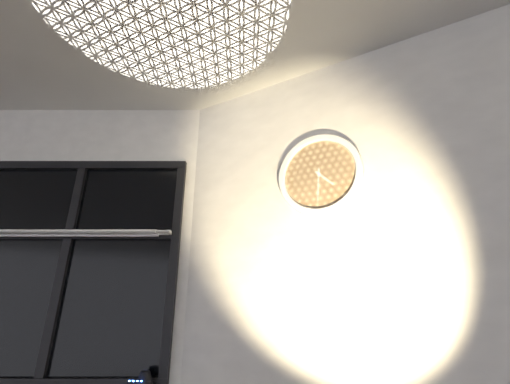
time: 4:31
